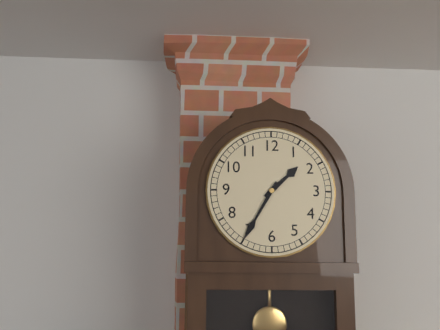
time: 1:35
